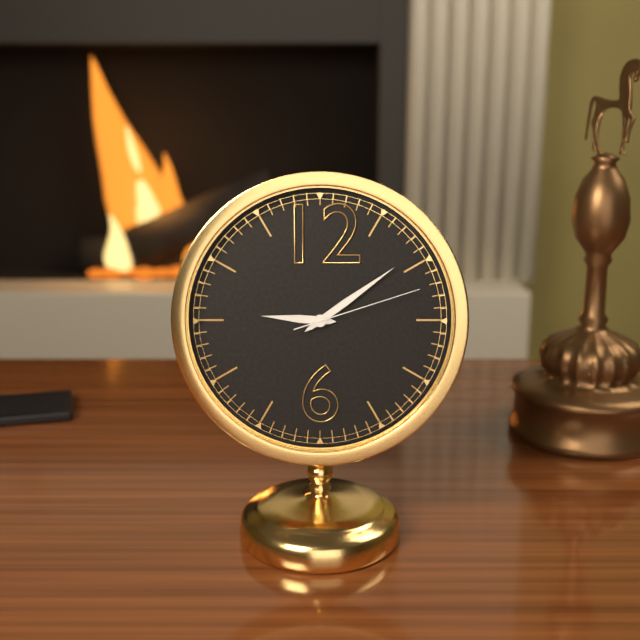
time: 9:09:12
